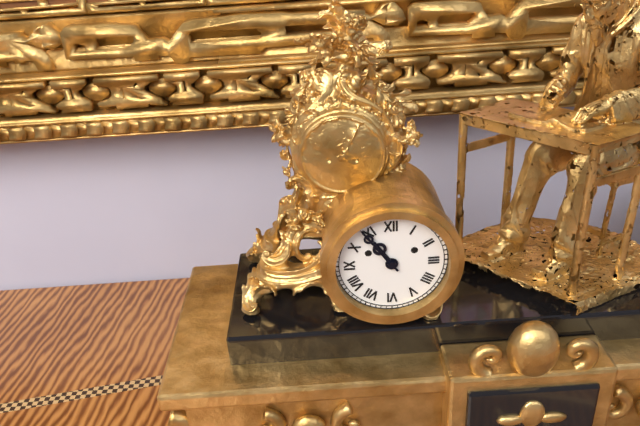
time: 10:54
